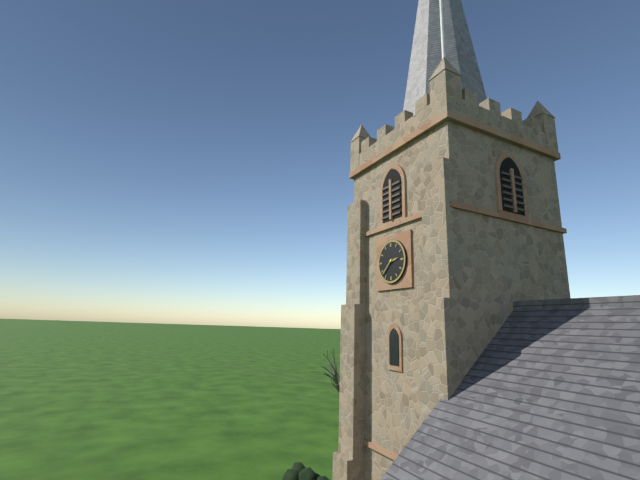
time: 2:38
